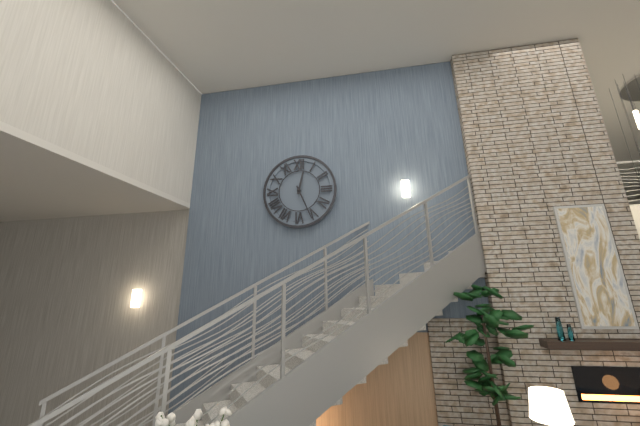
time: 12:26
